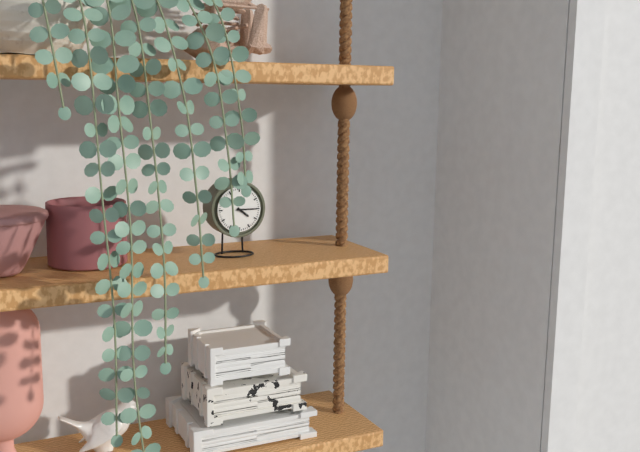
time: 4:15
